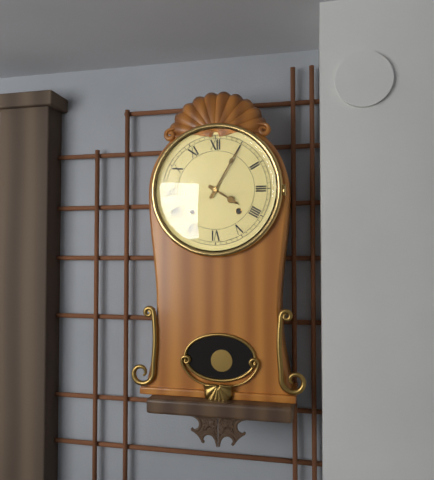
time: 4:05
